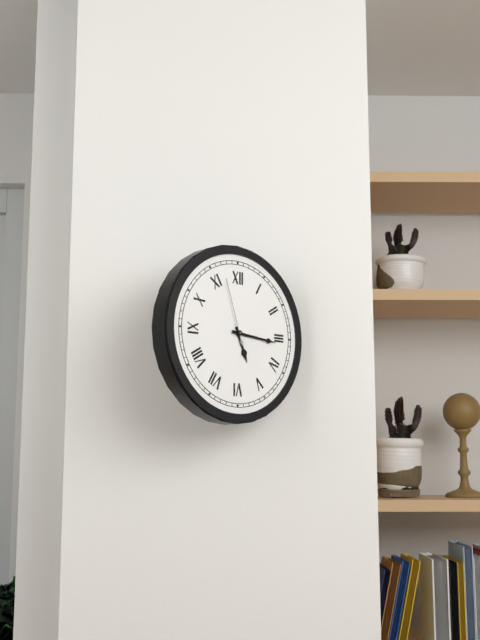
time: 5:16:57
